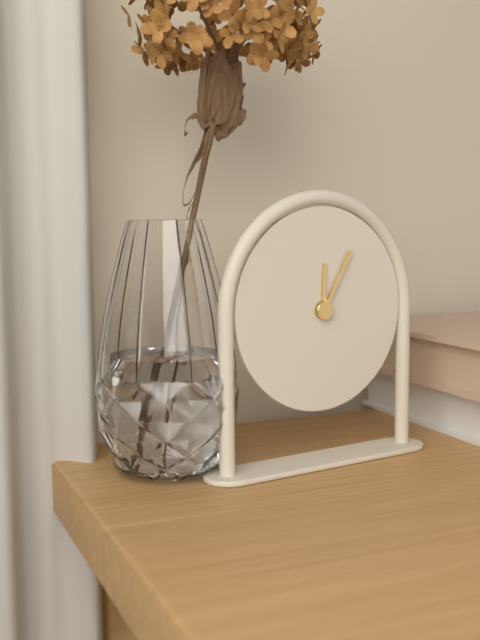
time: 12:05
